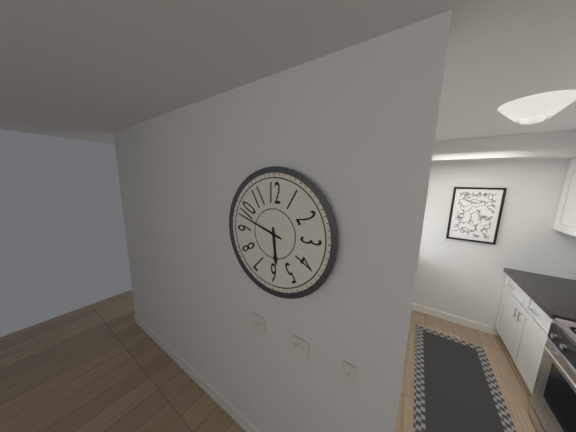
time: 5:48
